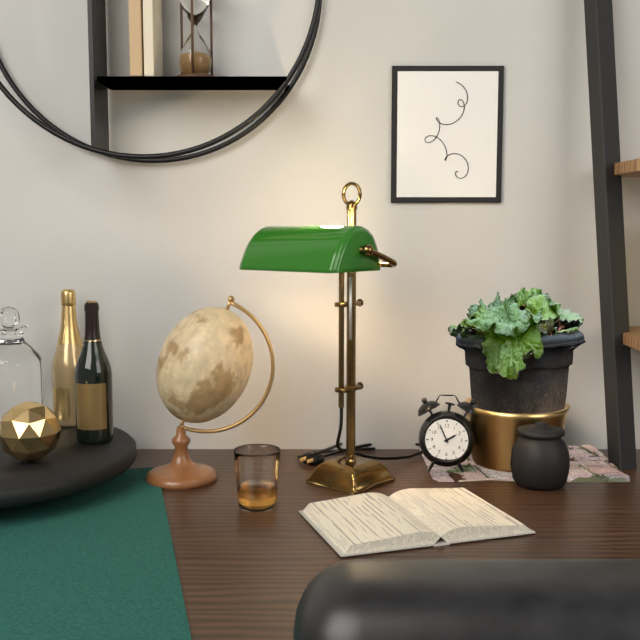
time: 1:56
